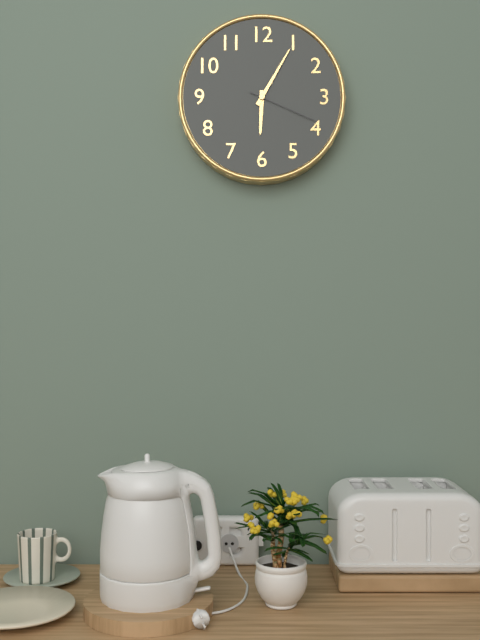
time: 6:05:19
